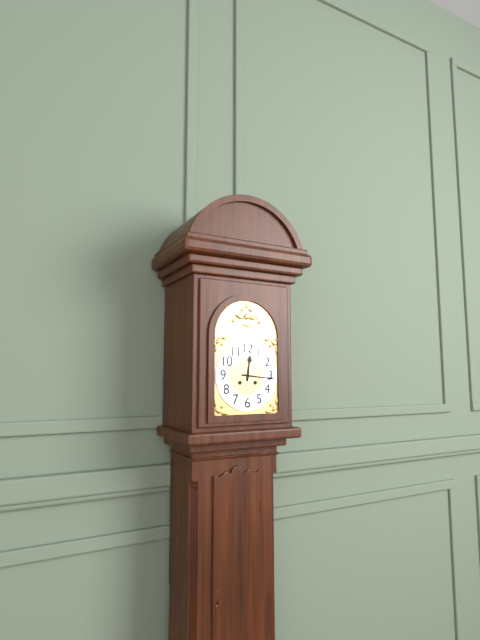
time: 12:16
